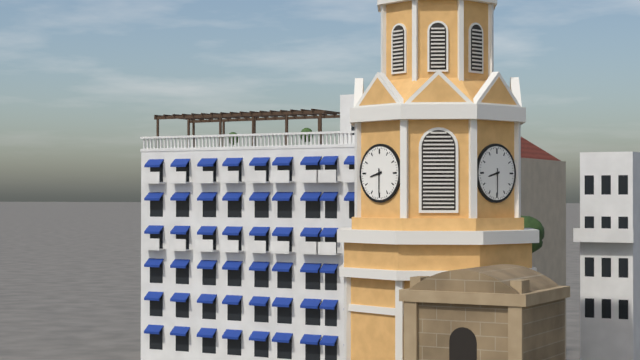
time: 8:30
